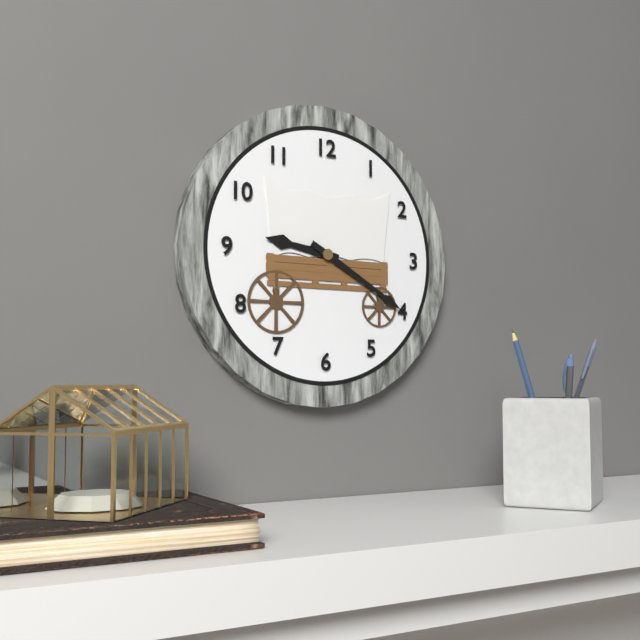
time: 9:20
